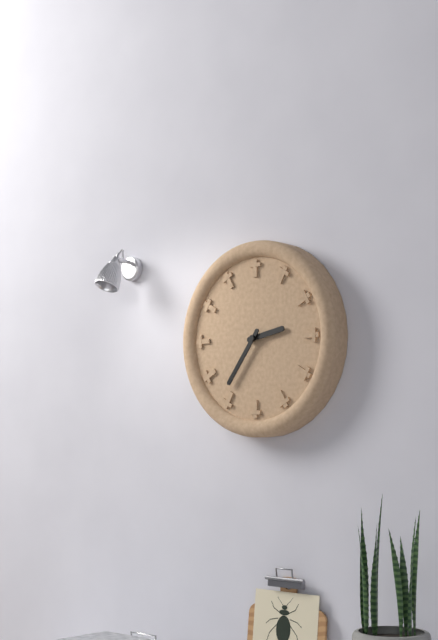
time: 2:36
